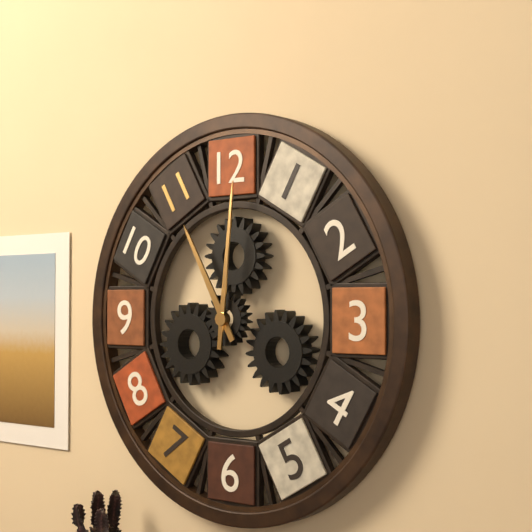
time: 11:01
